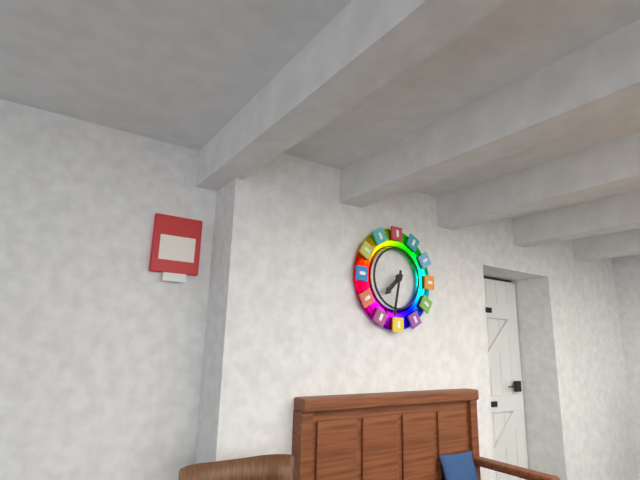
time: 7:32
